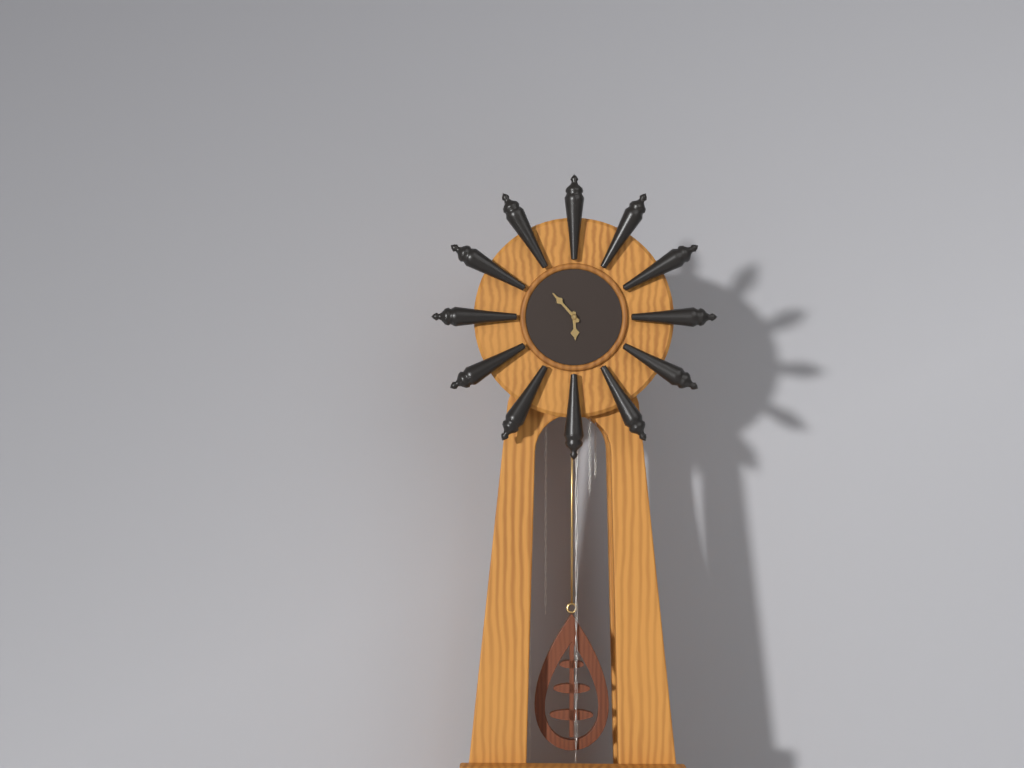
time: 5:53
